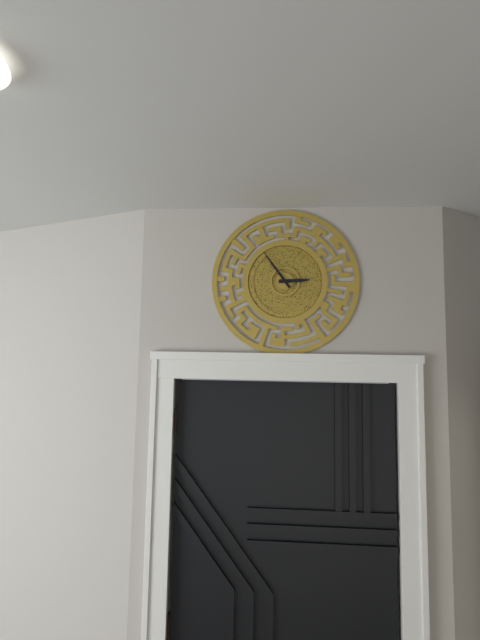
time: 2:54
